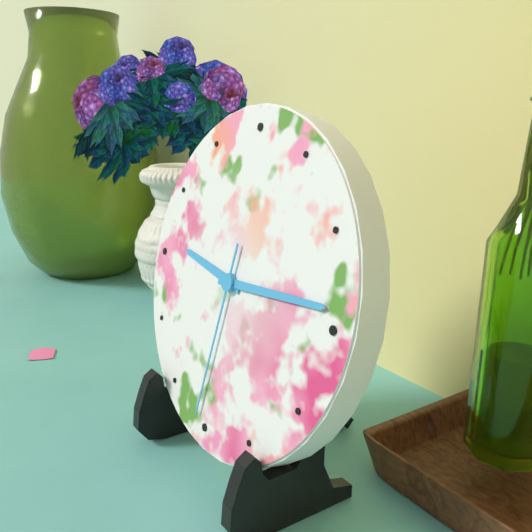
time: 9:14:31
